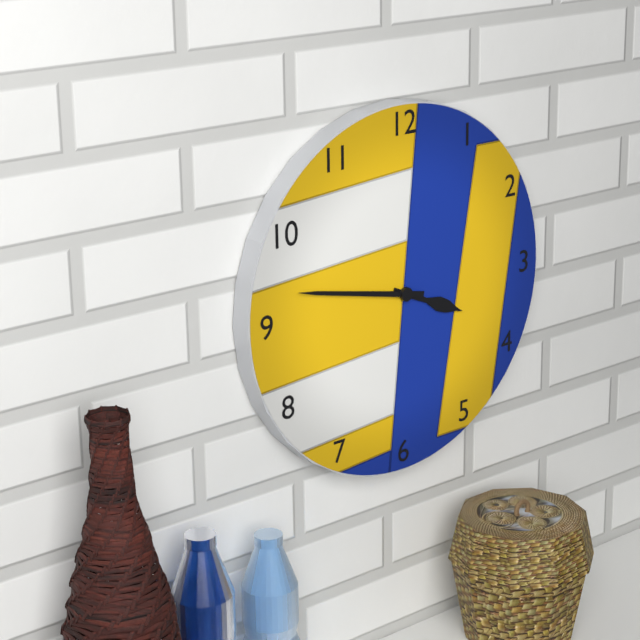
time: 3:47
